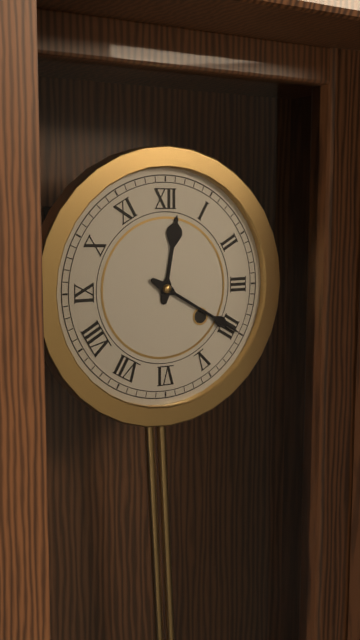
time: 12:20
